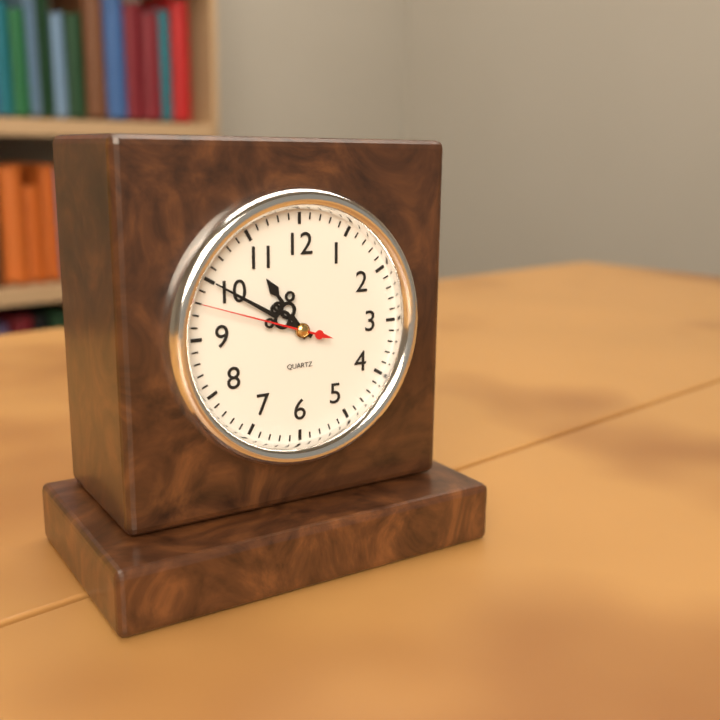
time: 10:50:48
